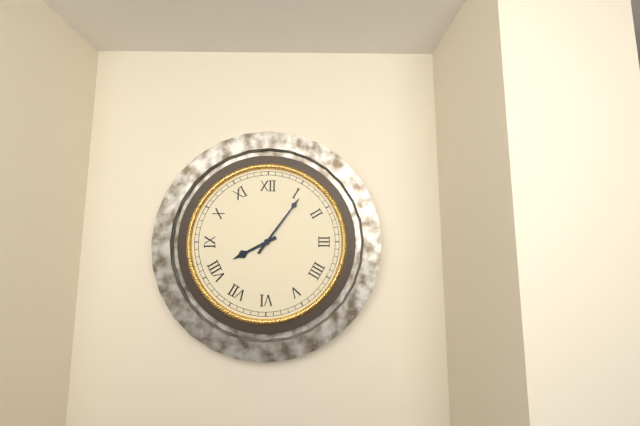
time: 8:06
